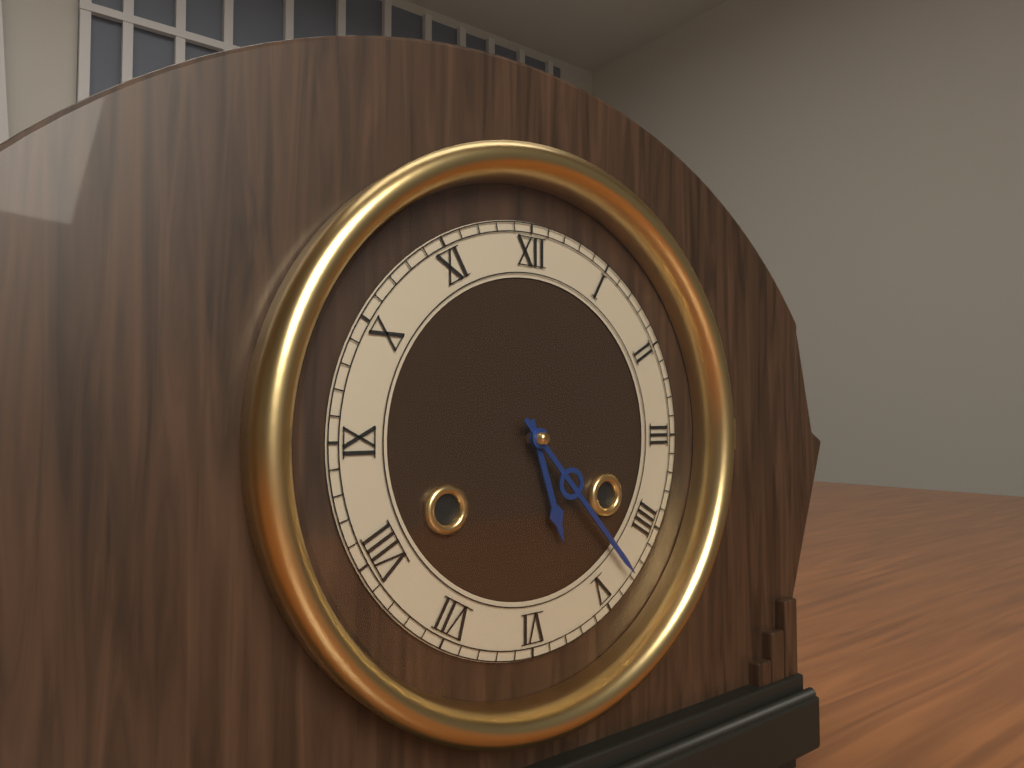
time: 5:23
